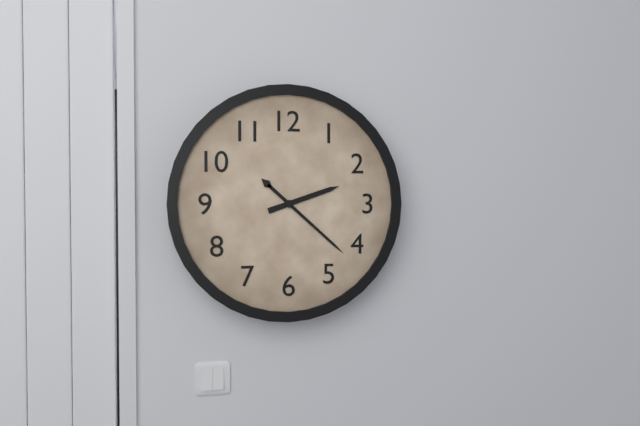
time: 2:22
